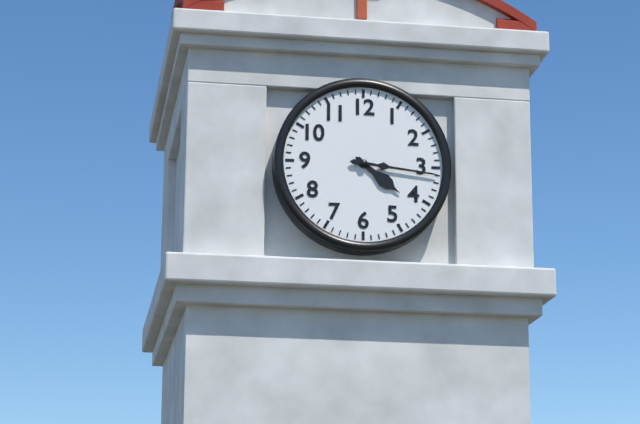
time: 4:16
